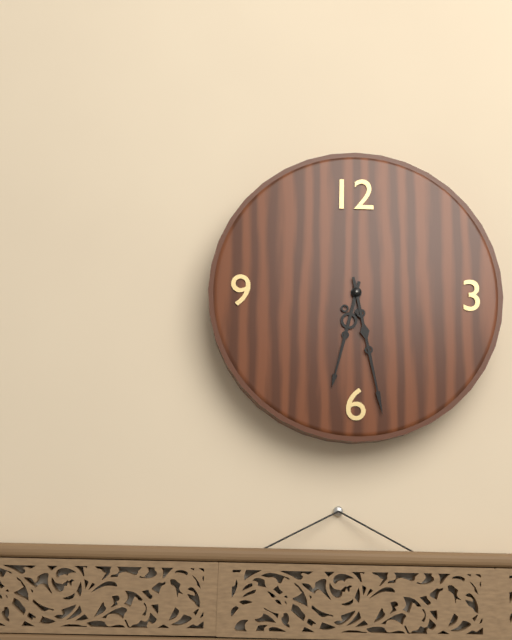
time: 6:28
